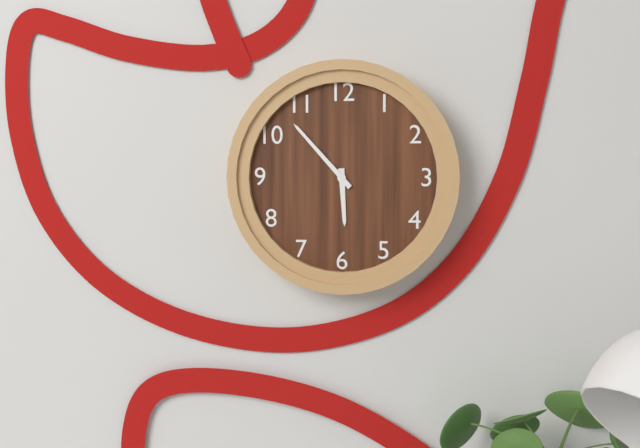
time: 5:53
